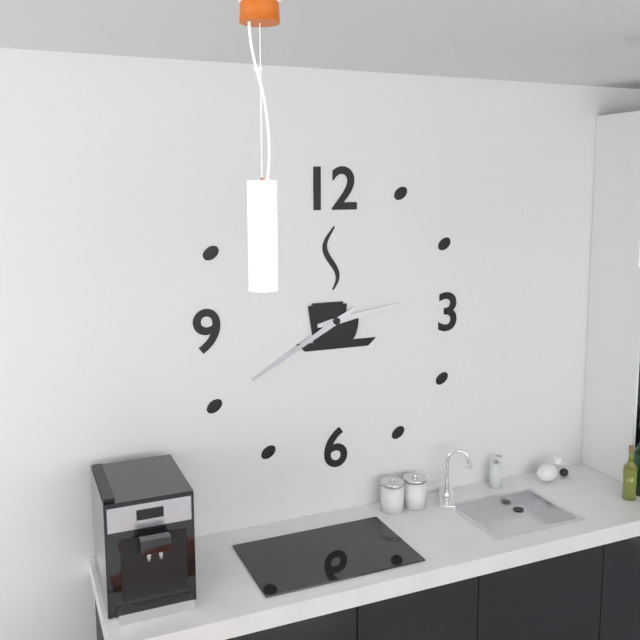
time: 2:40
